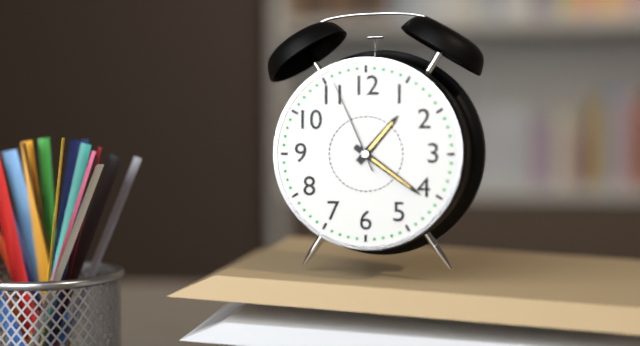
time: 1:21:56
